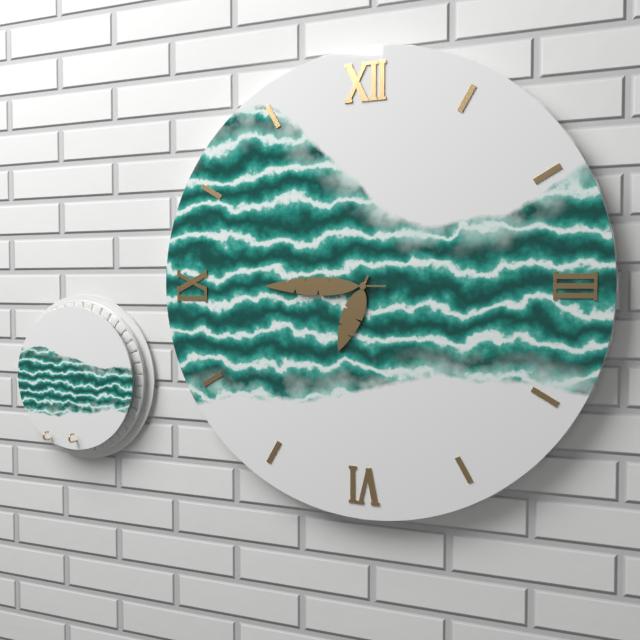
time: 6:45
